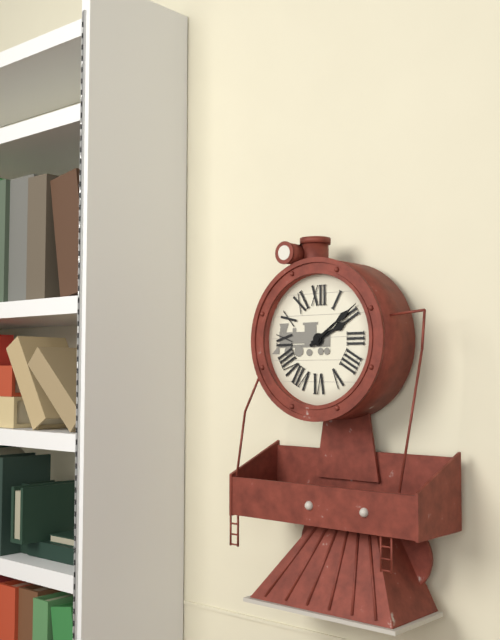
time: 2:09
